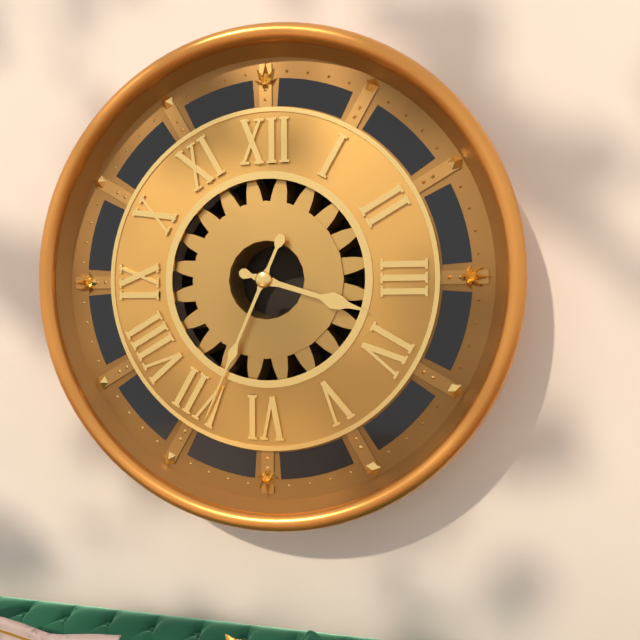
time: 3:34
